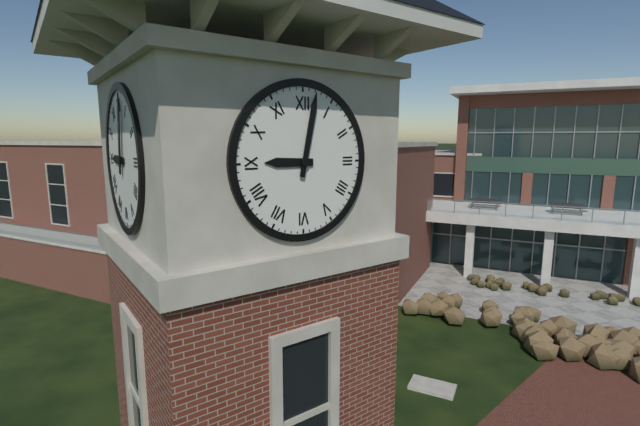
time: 9:02
